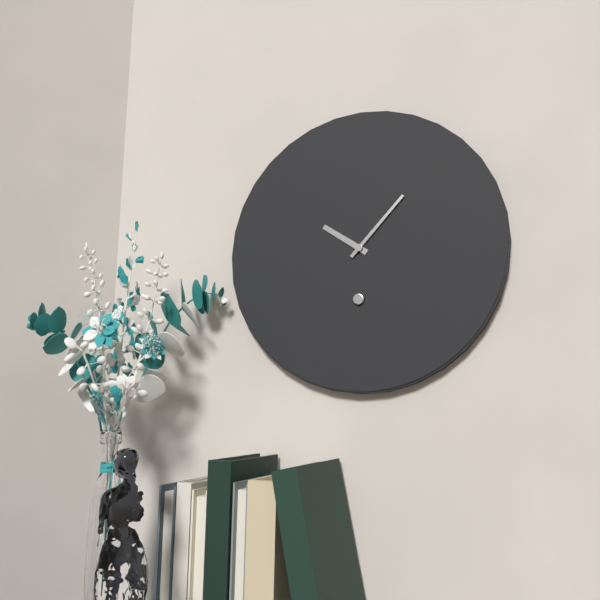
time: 10:07
